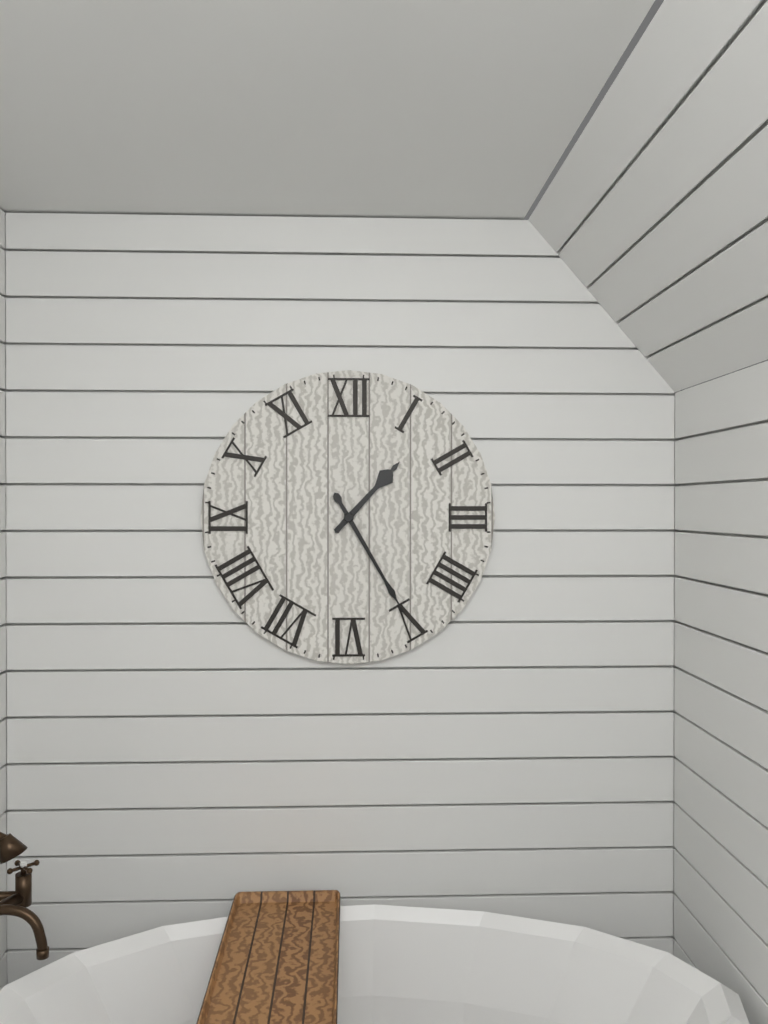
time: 1:25
